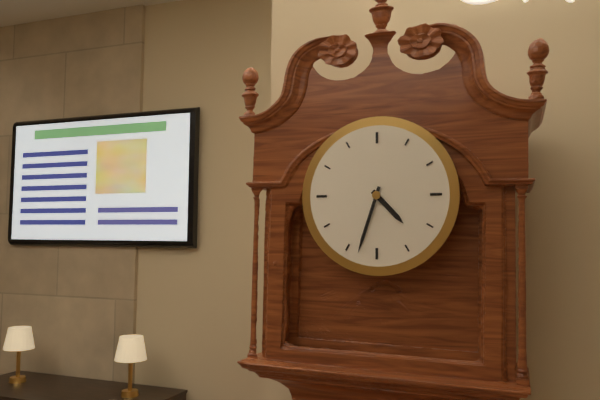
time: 4:33
